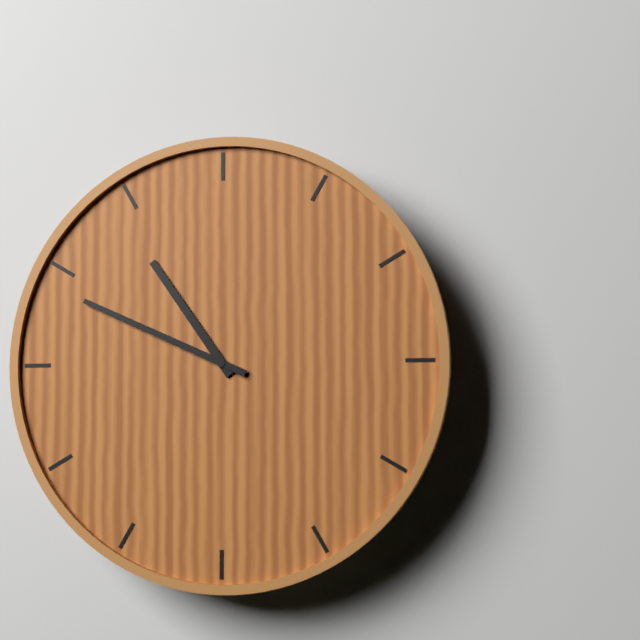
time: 10:49
